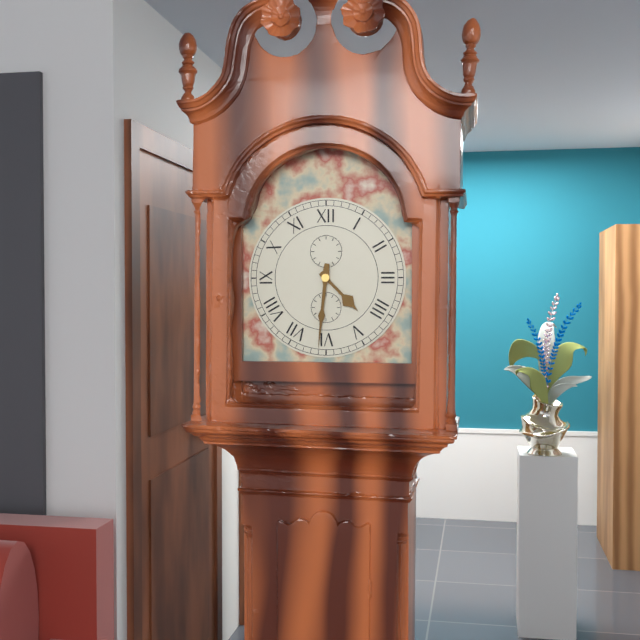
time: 4:31
